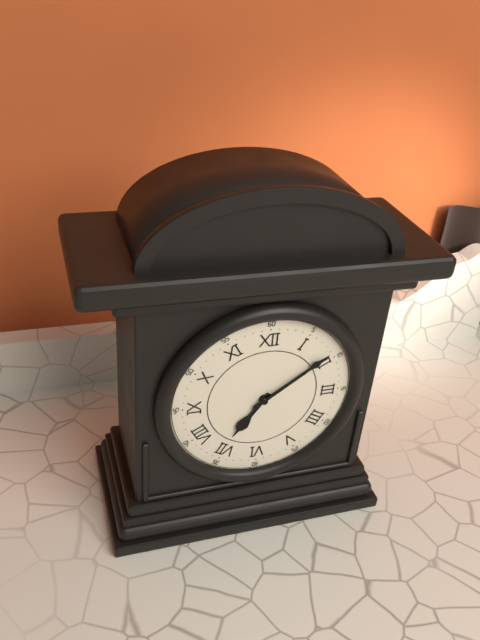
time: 7:09
